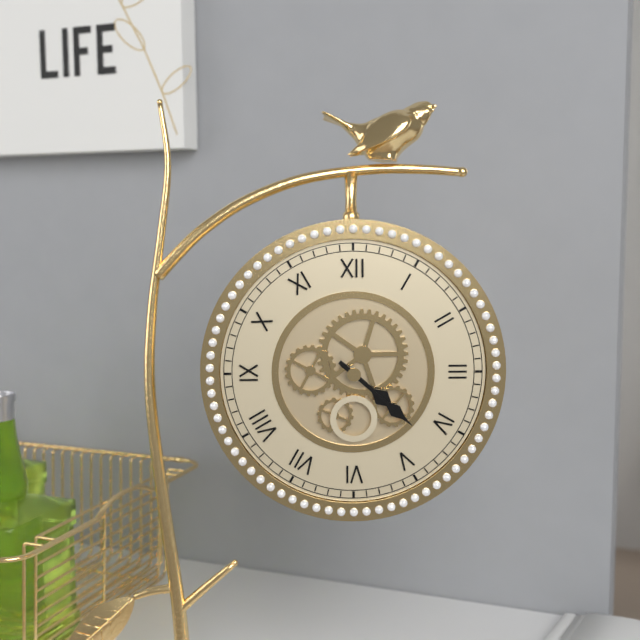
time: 4:22
